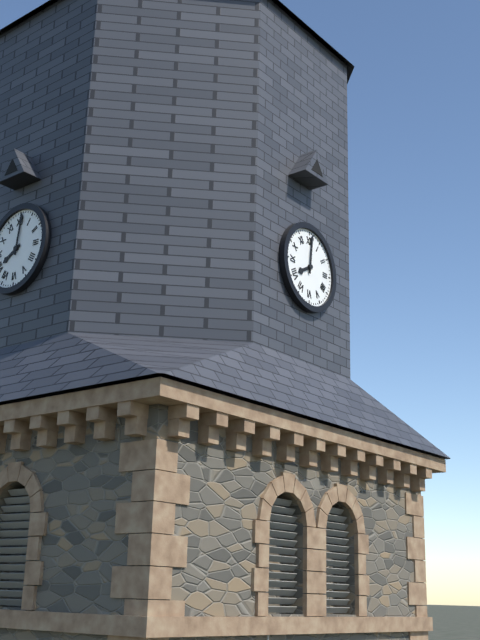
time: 8:01
